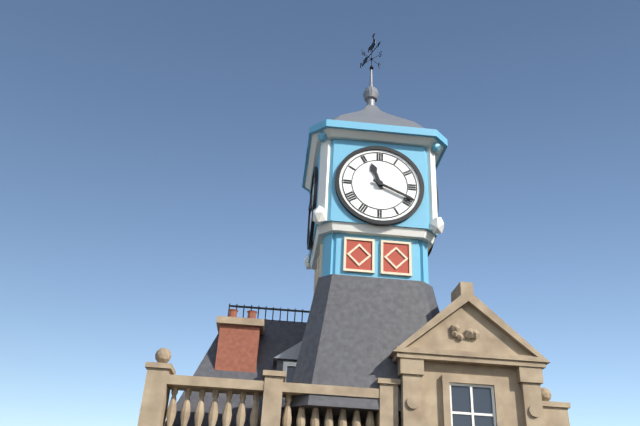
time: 11:19
